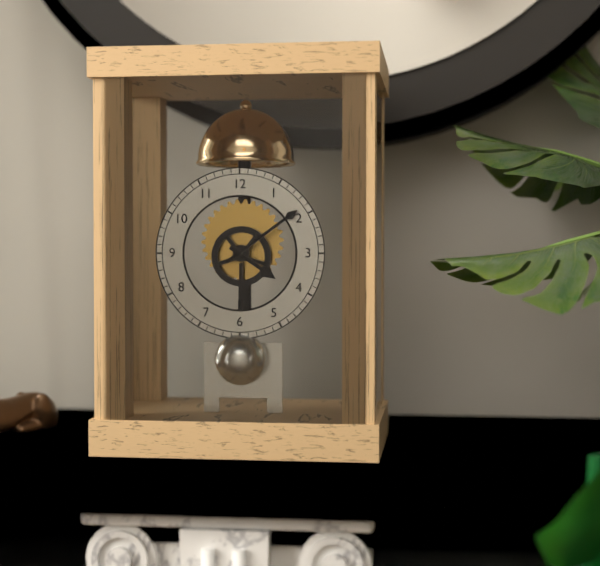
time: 4:09
